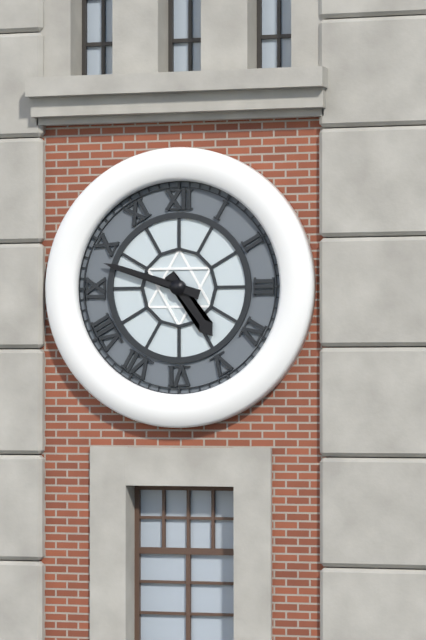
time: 4:48
